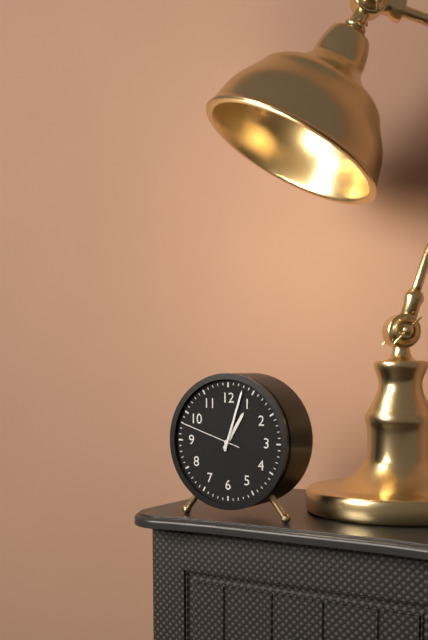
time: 1:03:48
